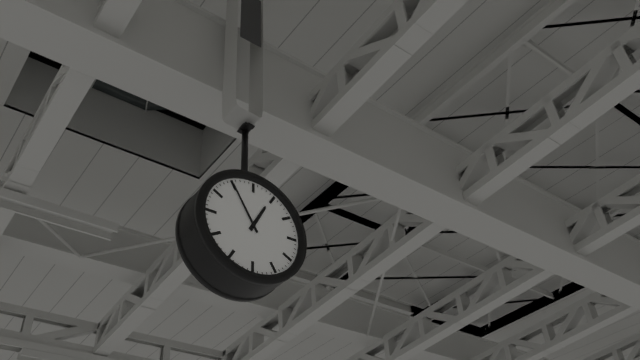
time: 12:55
